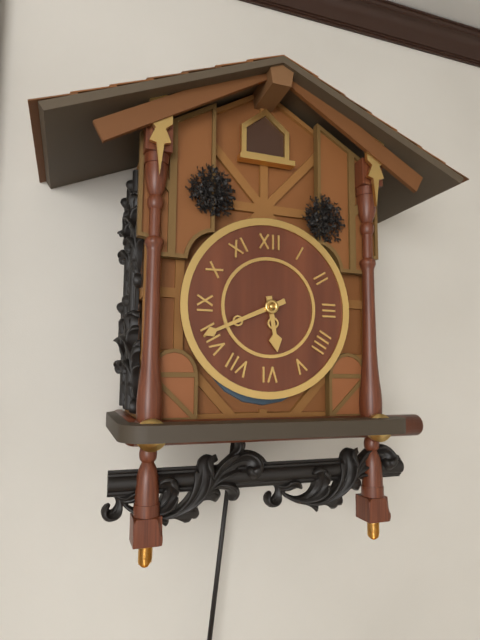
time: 5:41
